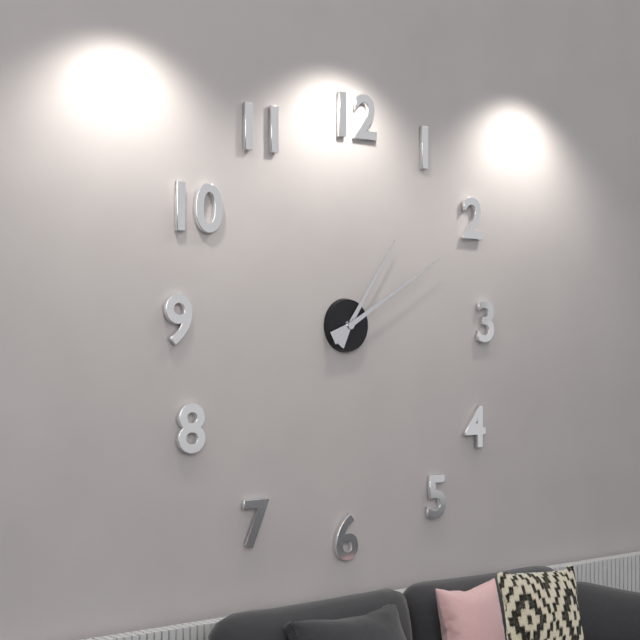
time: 1:10
